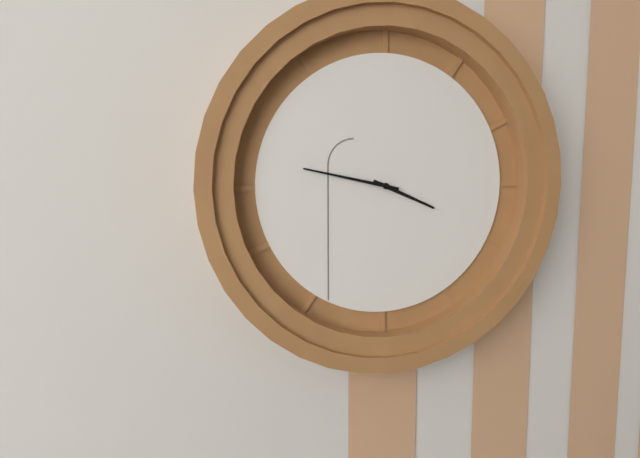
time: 3:47
